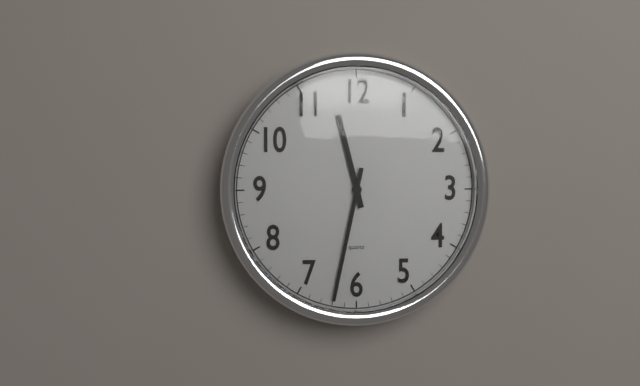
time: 11:32
